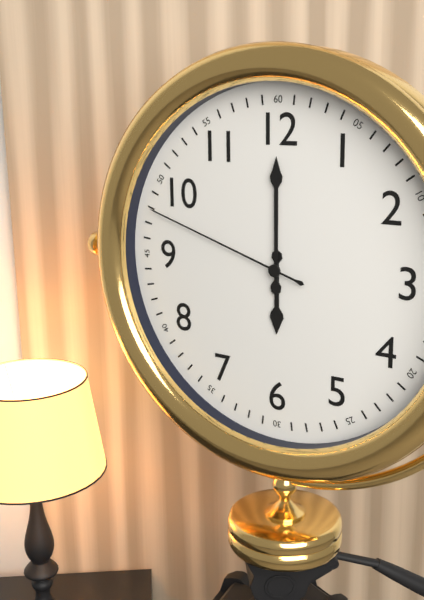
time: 6:00:48
